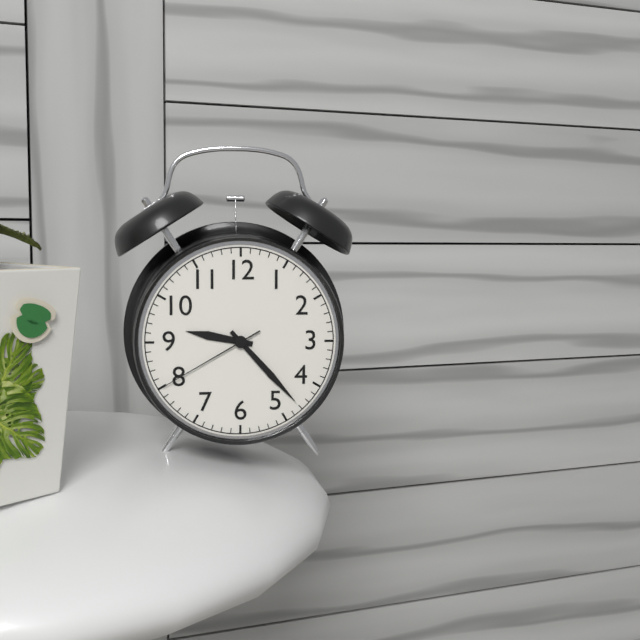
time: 9:23:40
